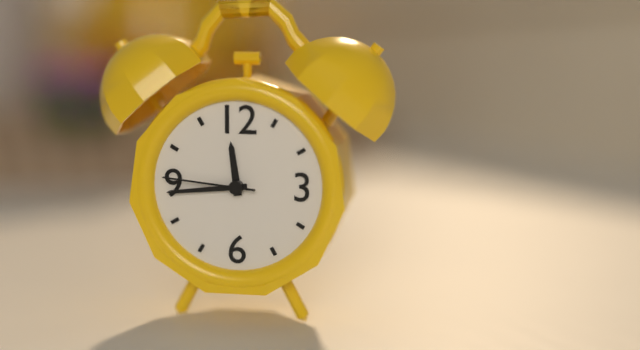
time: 11:44:46
